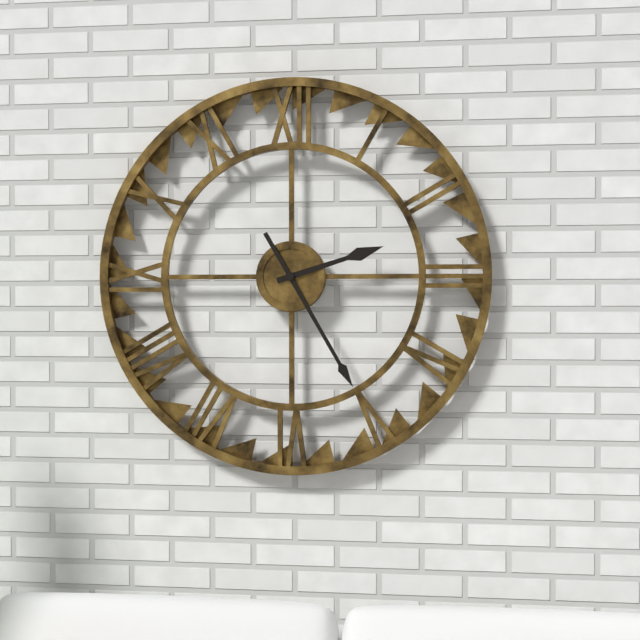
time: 2:25
